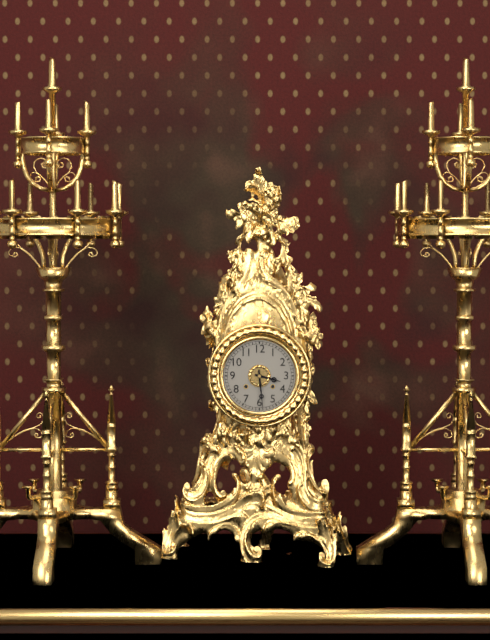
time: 3:29
